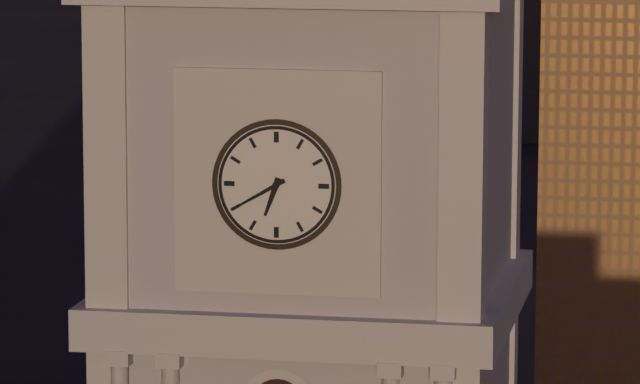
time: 6:40
